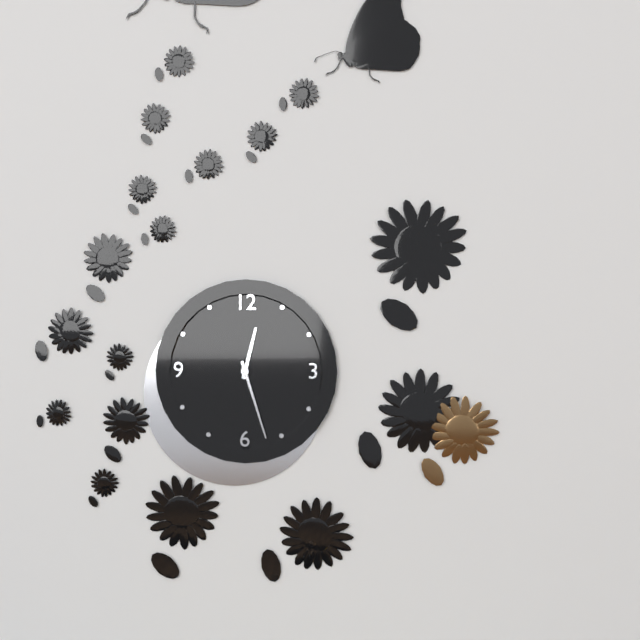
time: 12:27
